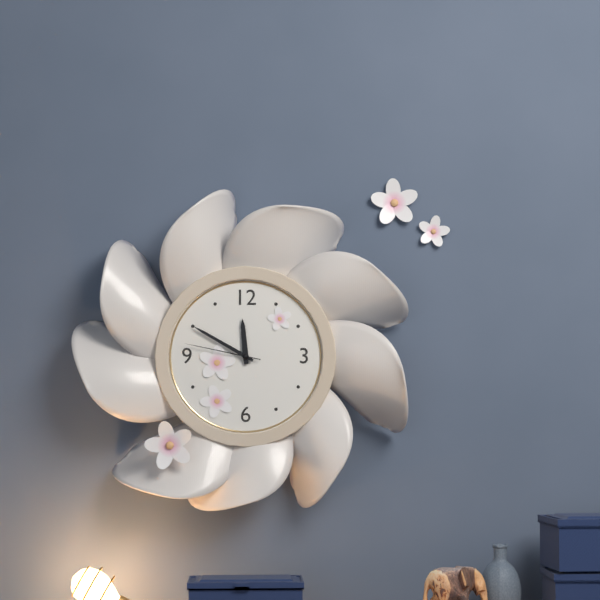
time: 11:50:47
